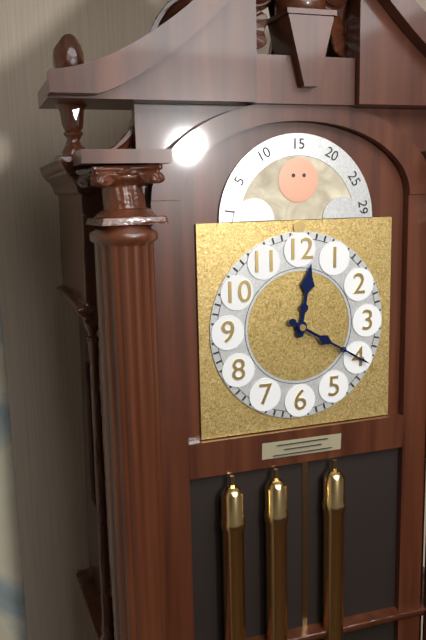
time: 12:20
